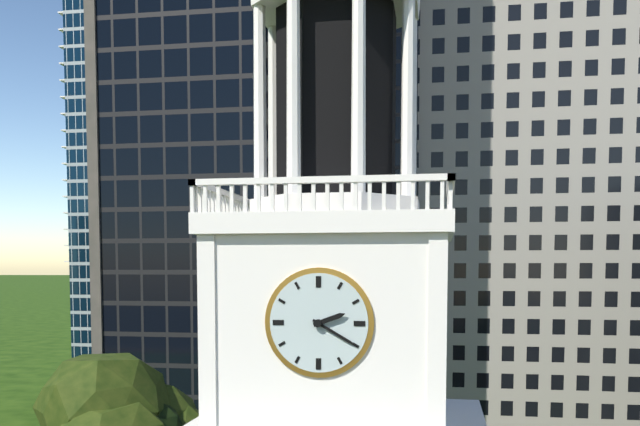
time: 2:20
